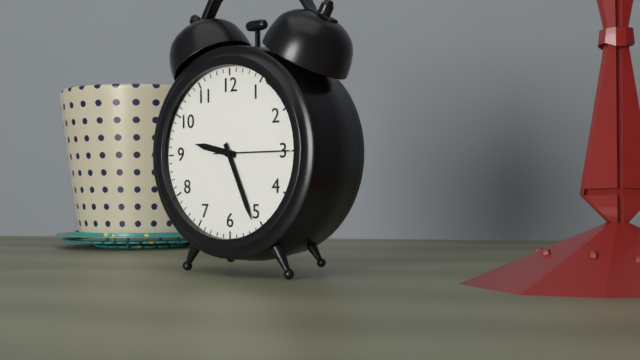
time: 9:26:15
